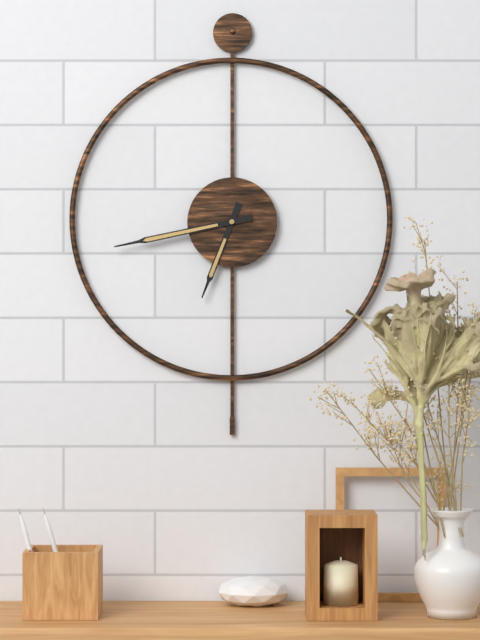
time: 6:43
